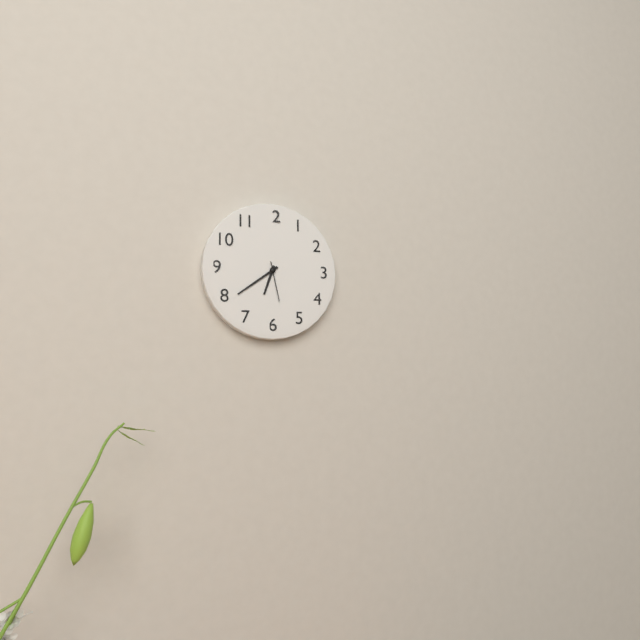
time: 6:39
